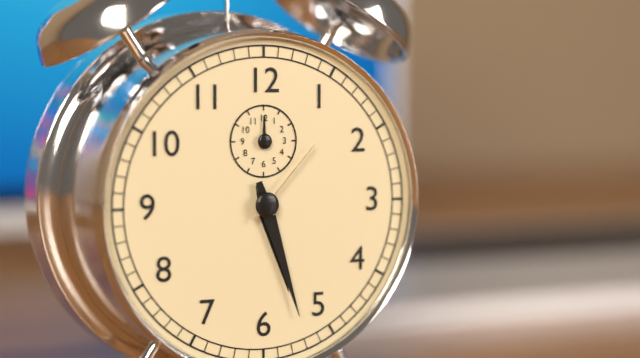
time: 5:27:07
